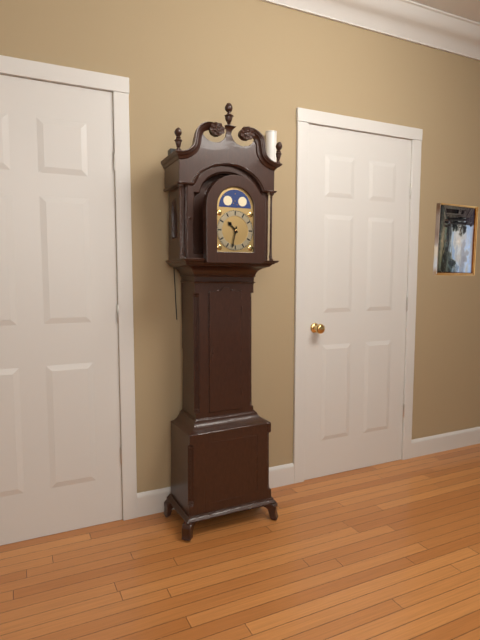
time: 10:32
